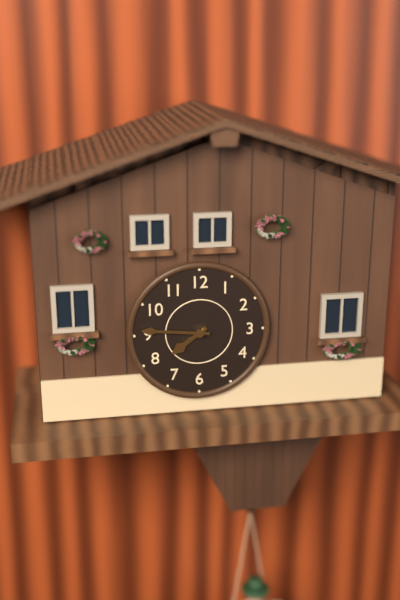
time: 7:46
